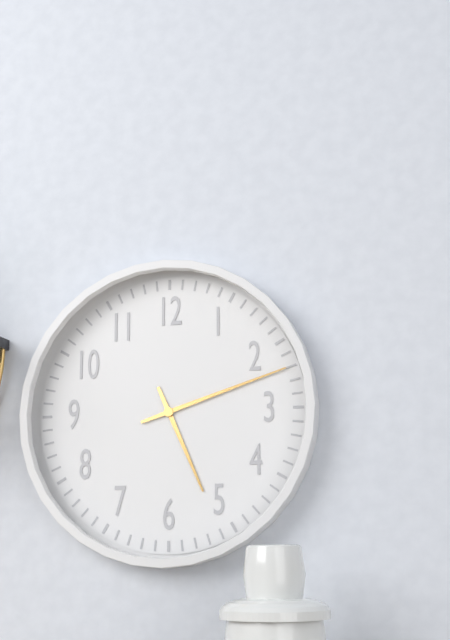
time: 5:12
